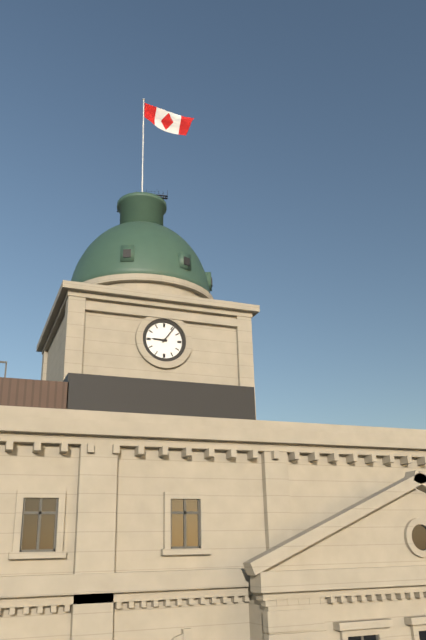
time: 9:06
